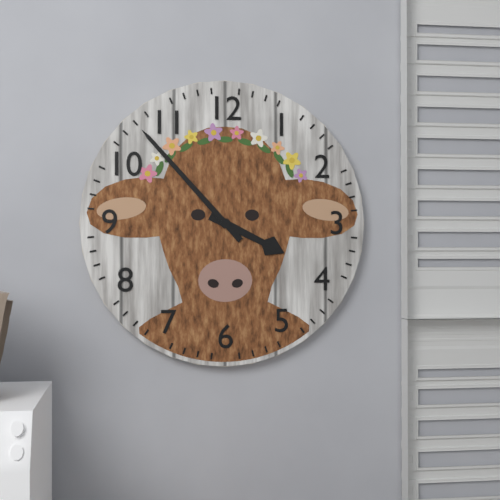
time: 3:53
